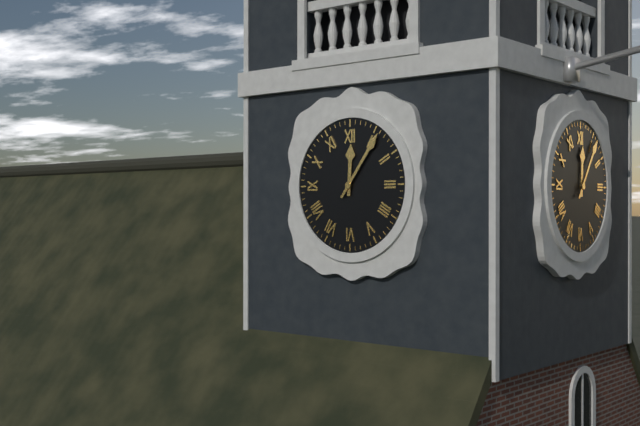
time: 12:06
